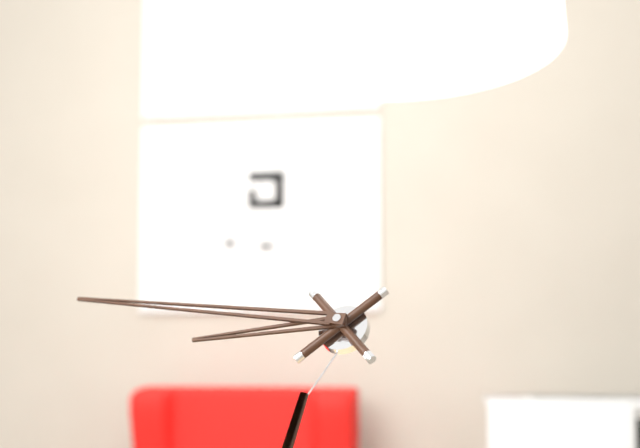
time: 8:46
